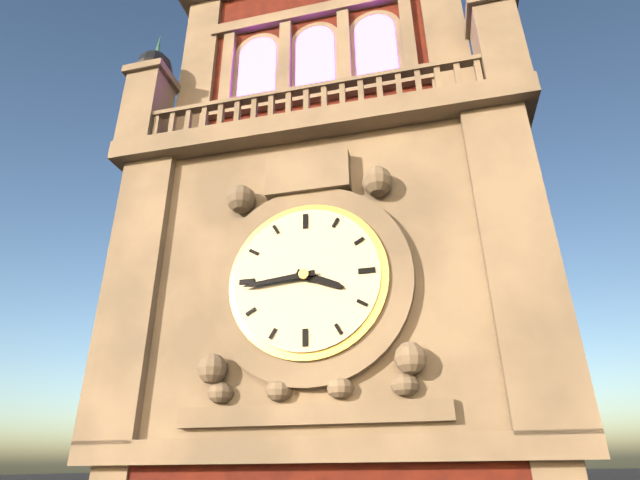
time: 3:44
